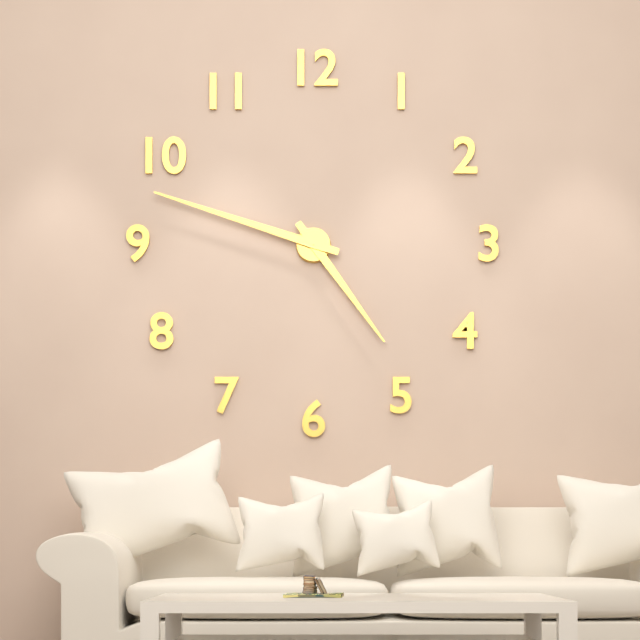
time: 4:48
